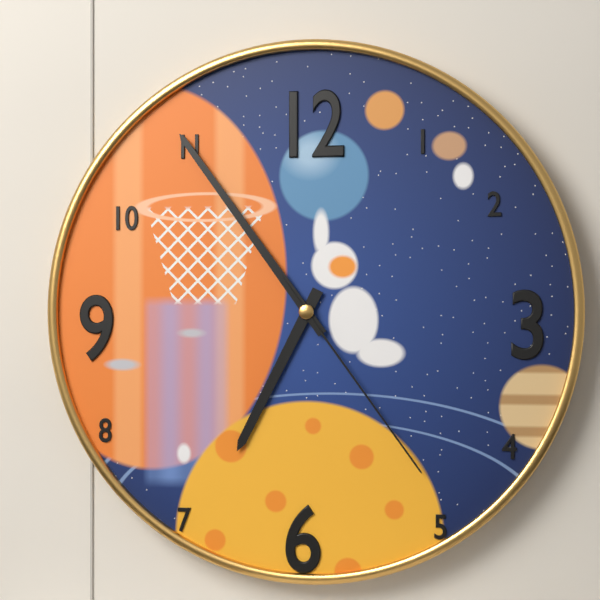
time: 6:54:24
